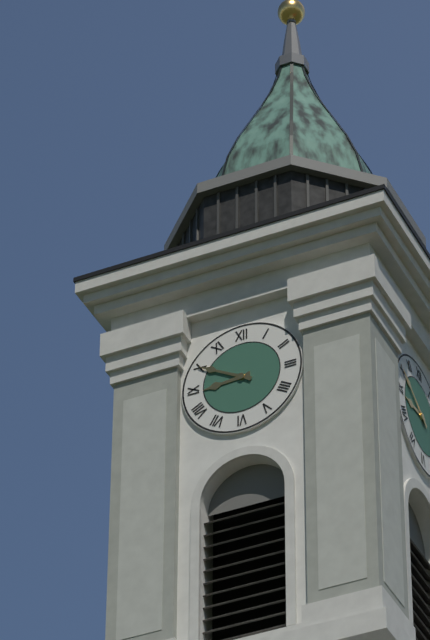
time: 8:50
